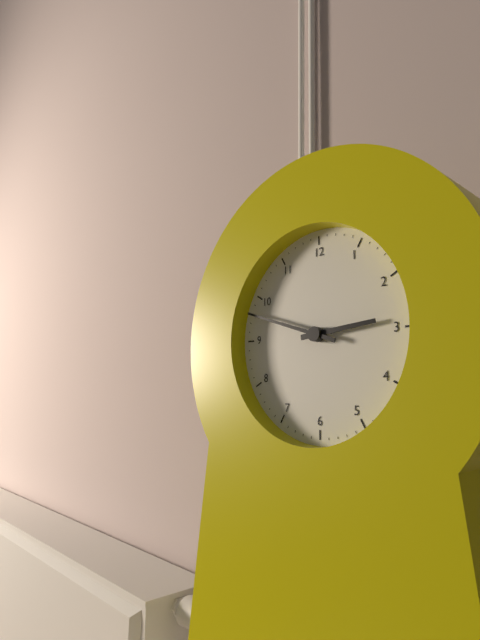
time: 2:48
